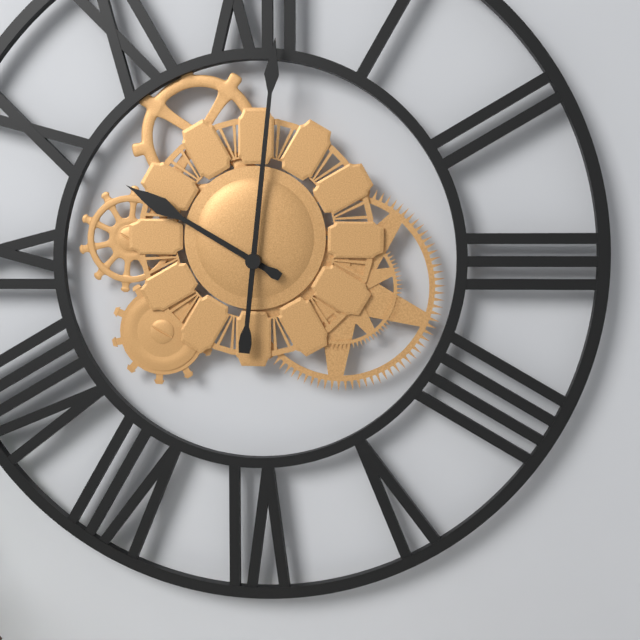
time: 10:01
